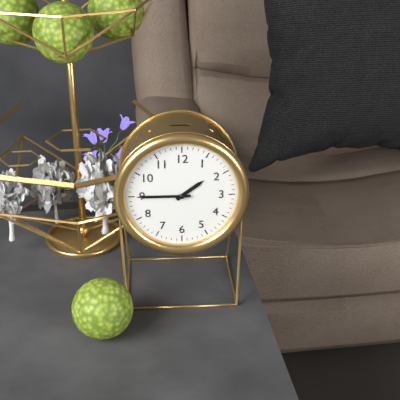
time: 1:45
